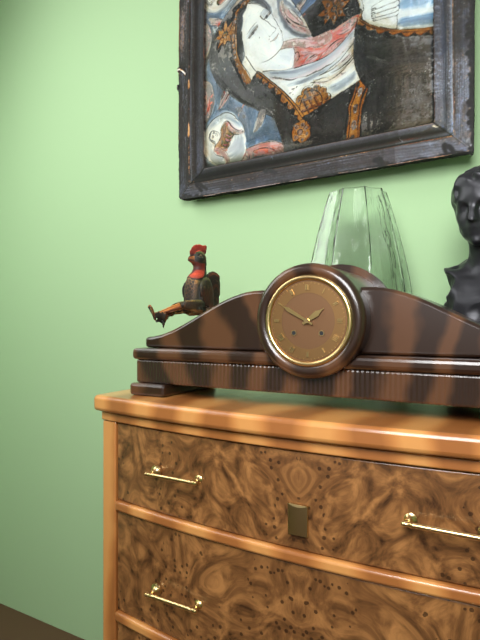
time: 1:50
